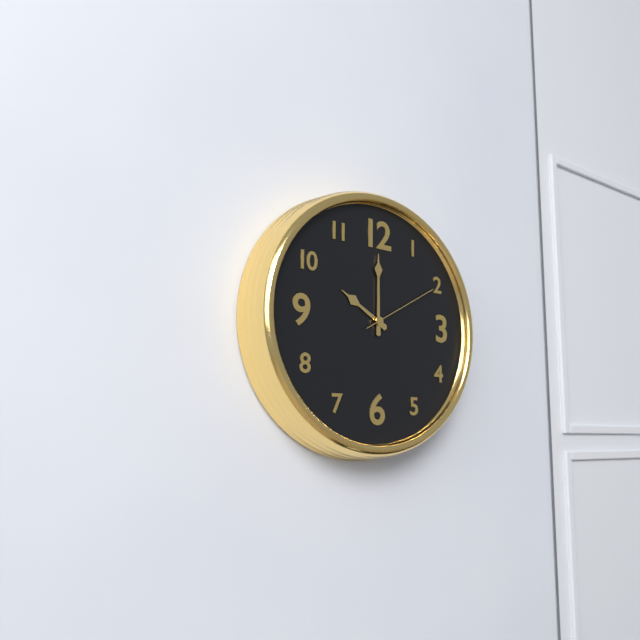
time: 10:00:10
